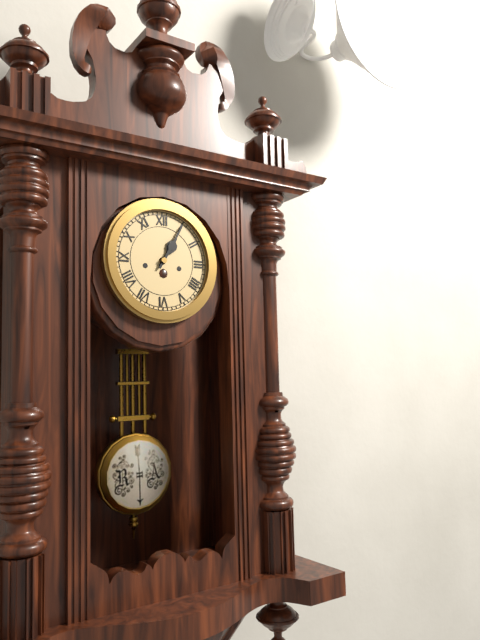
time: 1:05
